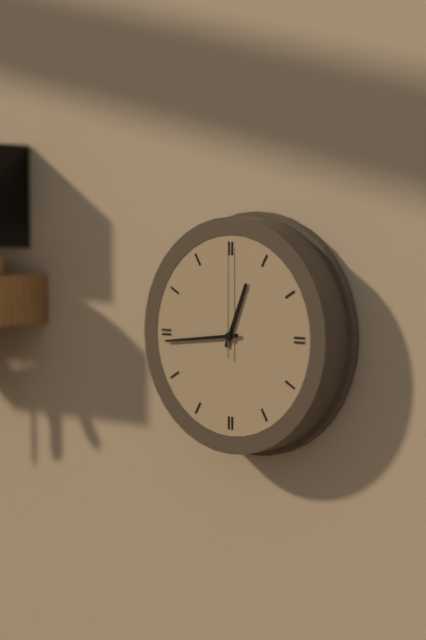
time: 12:44:00
